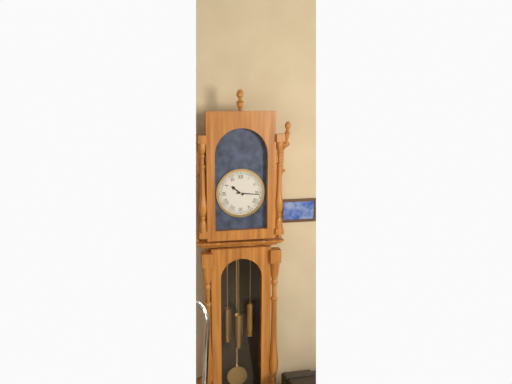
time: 10:16
